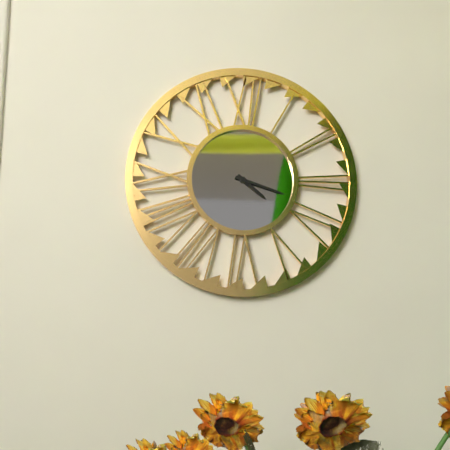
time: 4:18
